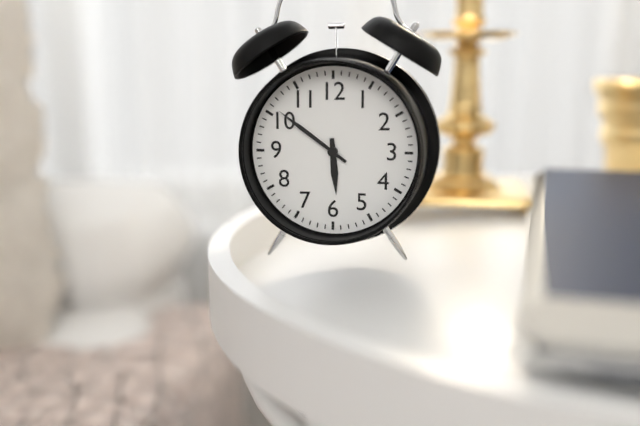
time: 5:51
